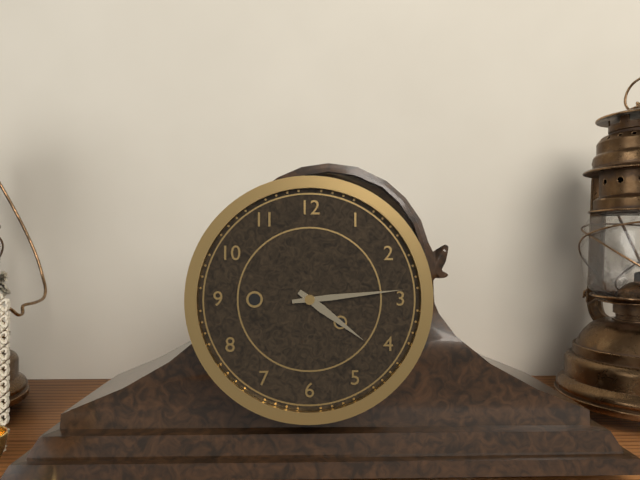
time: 4:14
